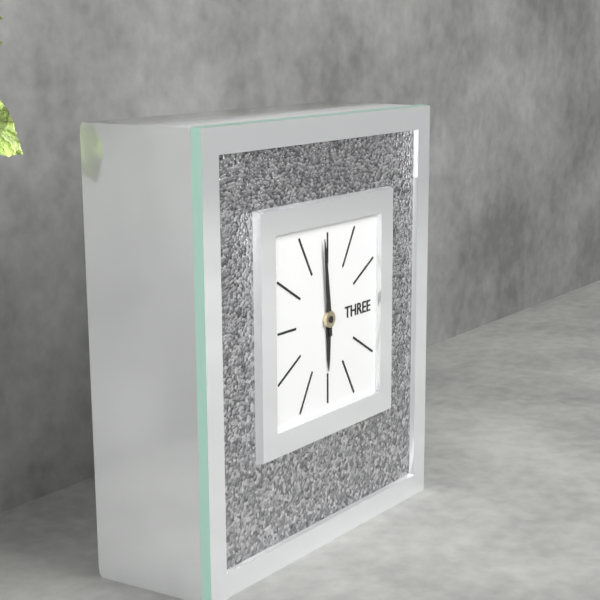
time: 5:59
